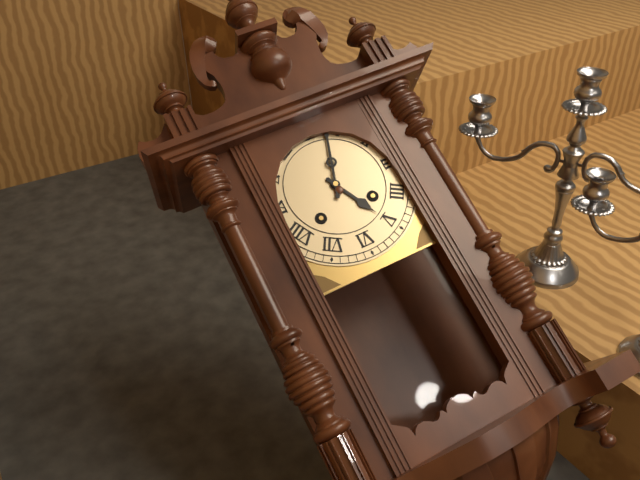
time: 5:03
